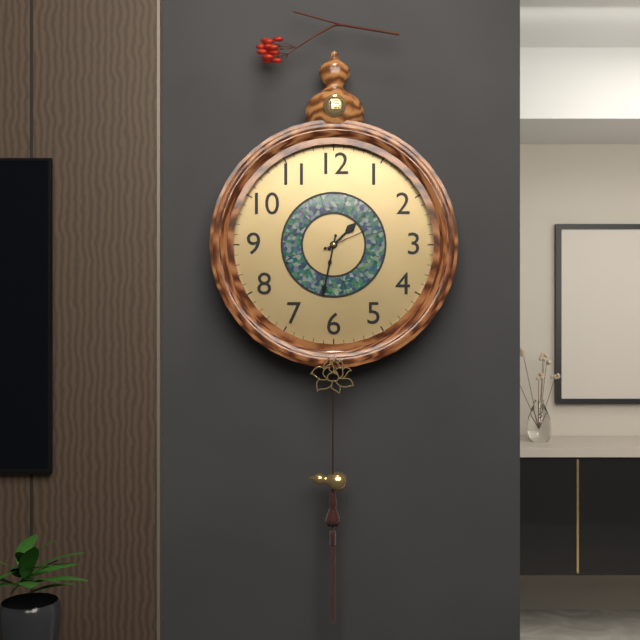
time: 1:32
